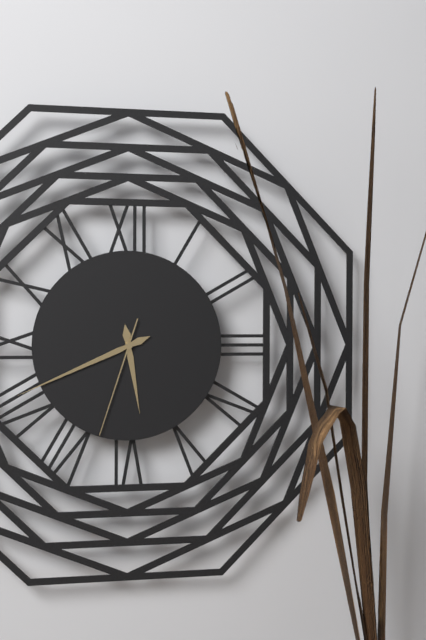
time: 5:41:33
